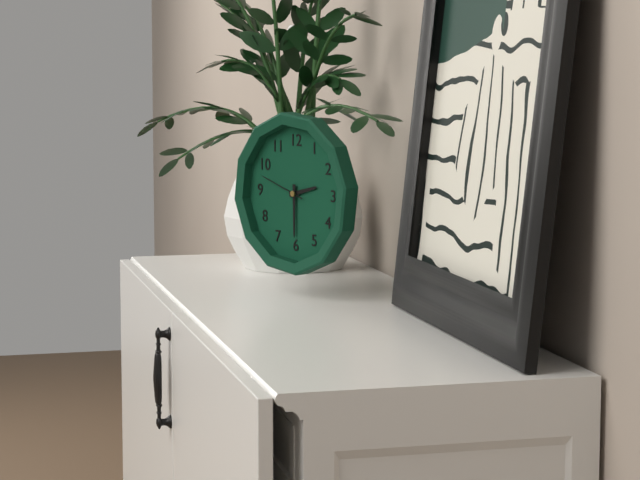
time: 2:30
